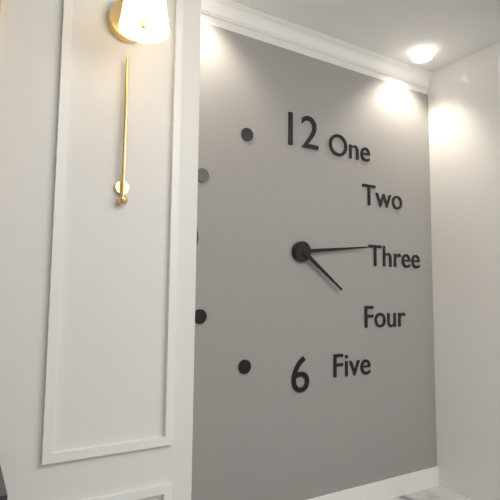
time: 4:14
